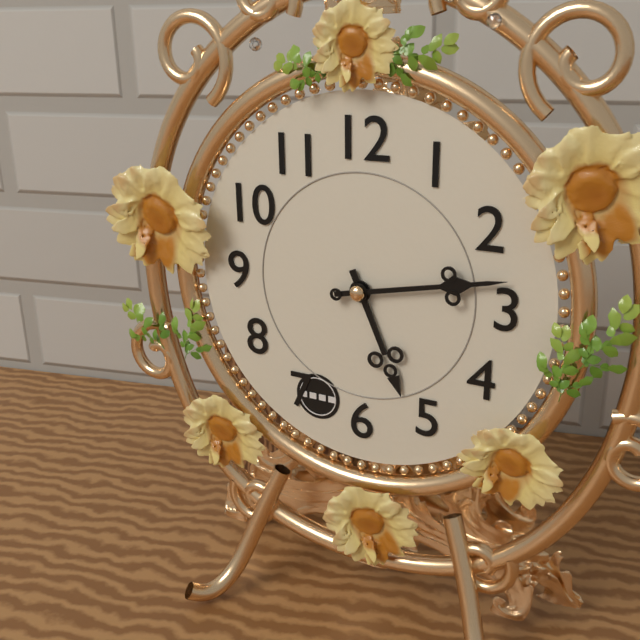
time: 5:13
